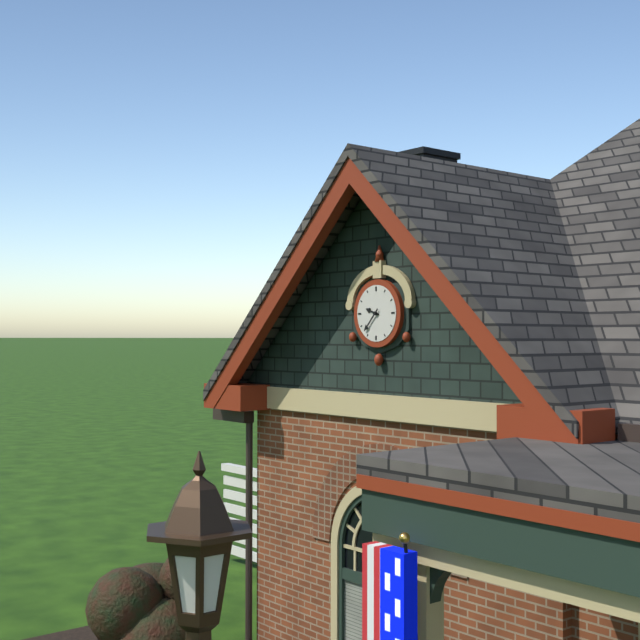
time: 9:37
